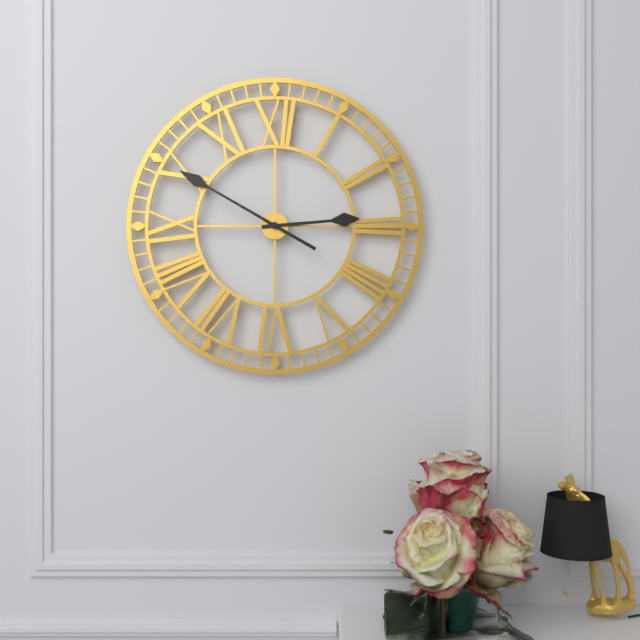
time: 2:50
